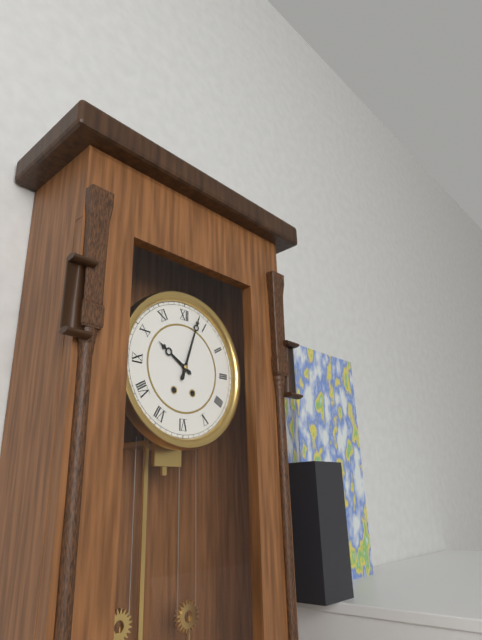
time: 10:03
